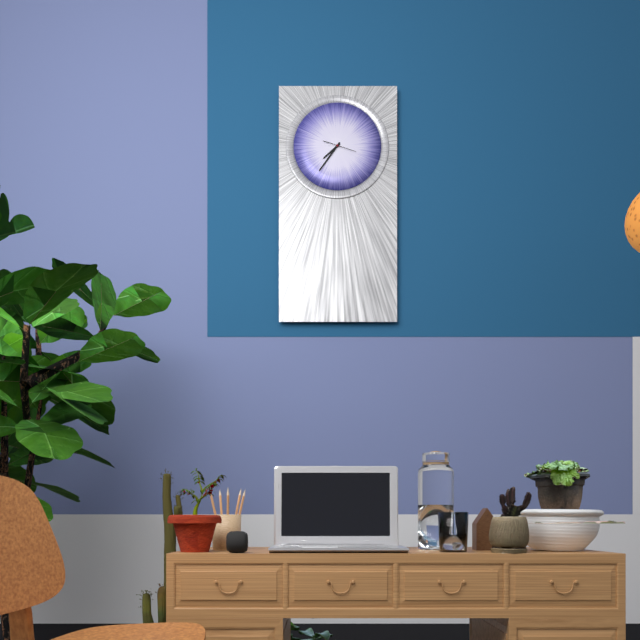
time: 7:36
